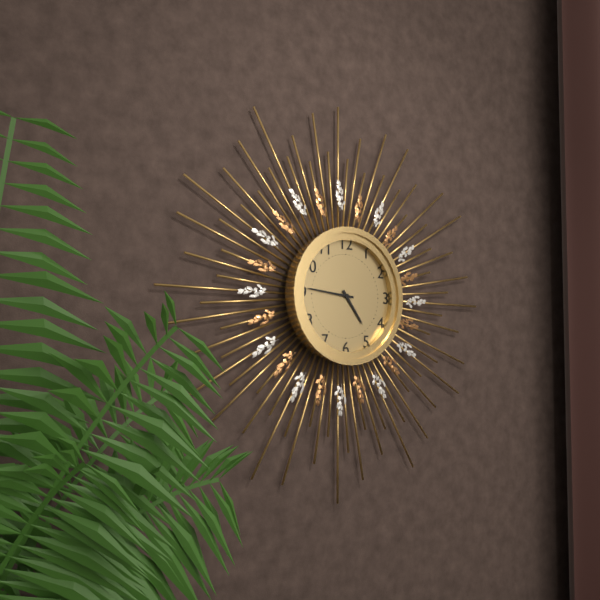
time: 4:46
